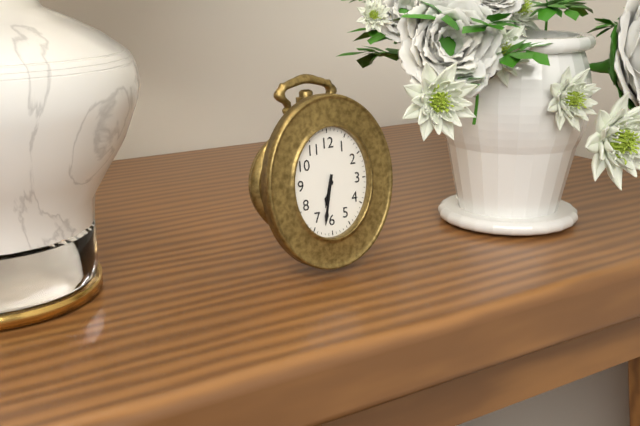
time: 6:32
